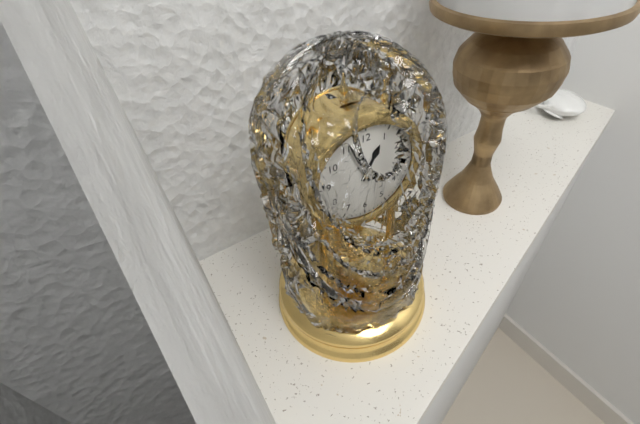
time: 12:56
